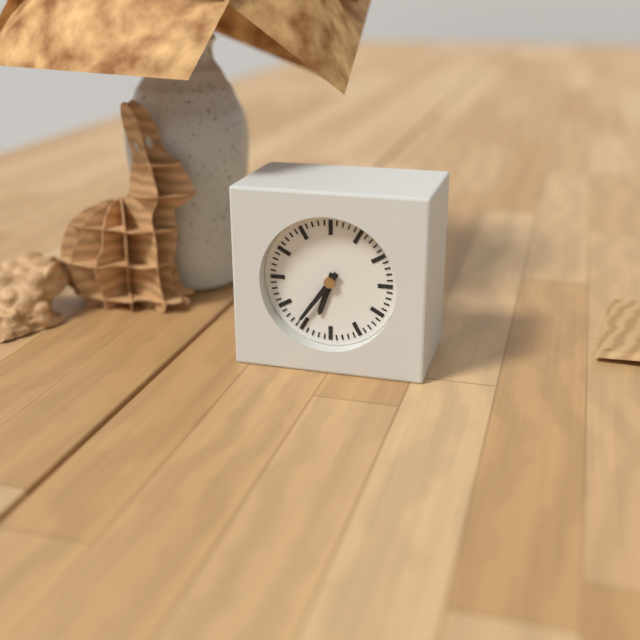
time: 6:36
